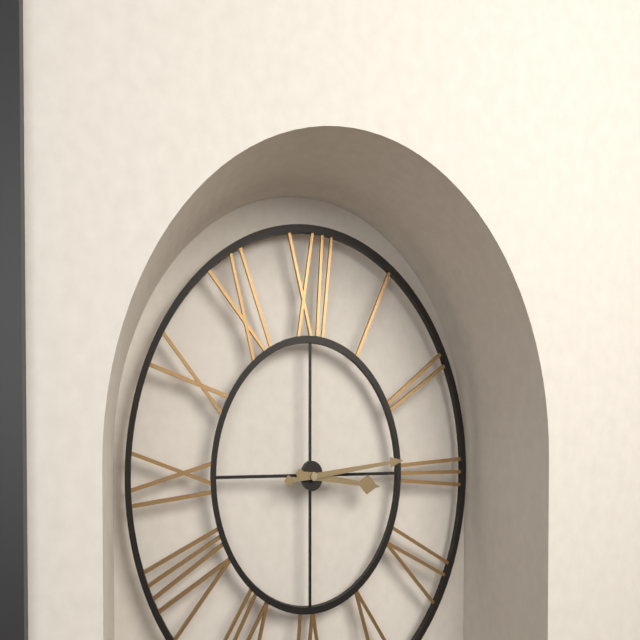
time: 3:14
